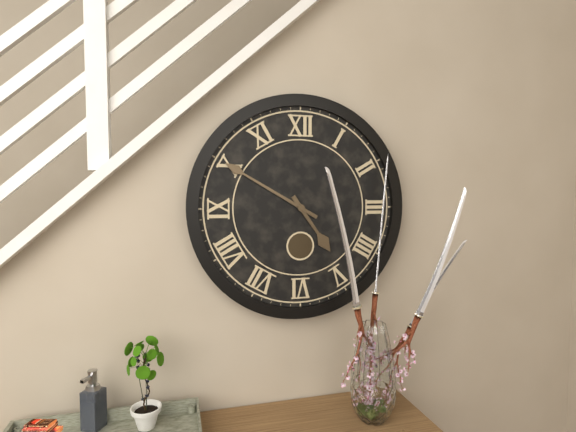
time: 4:50
